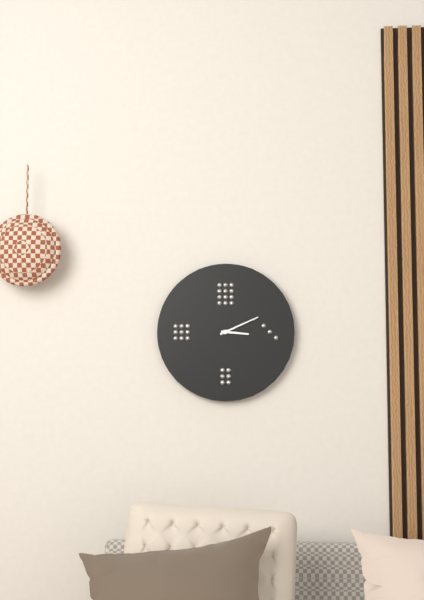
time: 3:11
